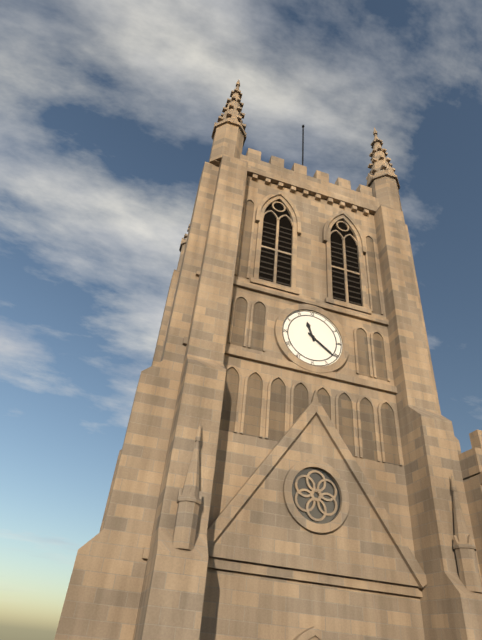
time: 11:21
